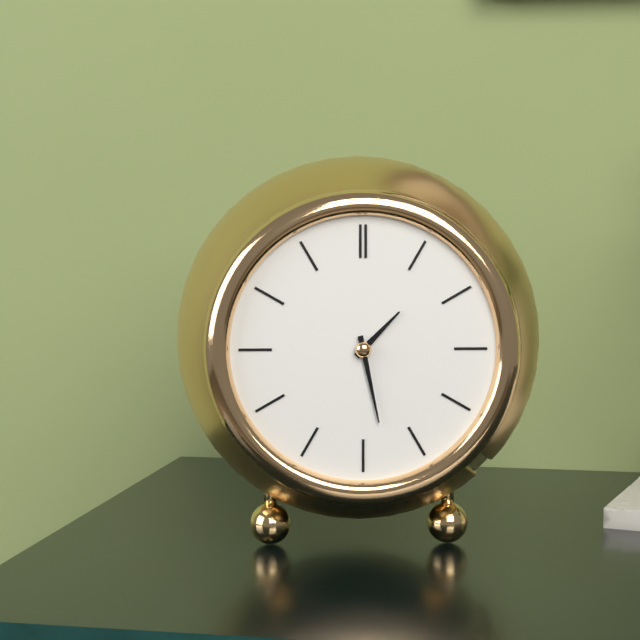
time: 1:28
